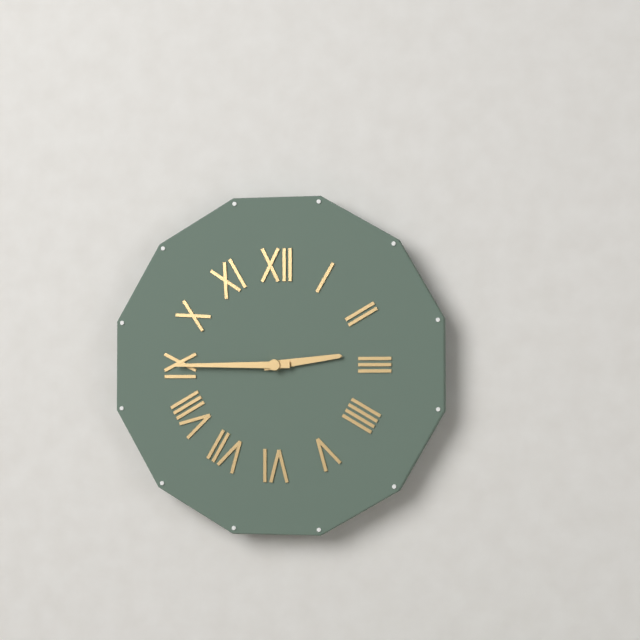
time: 2:45
